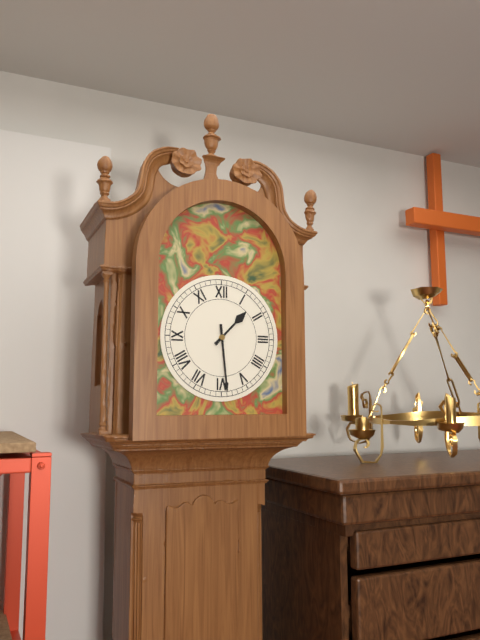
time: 1:29
